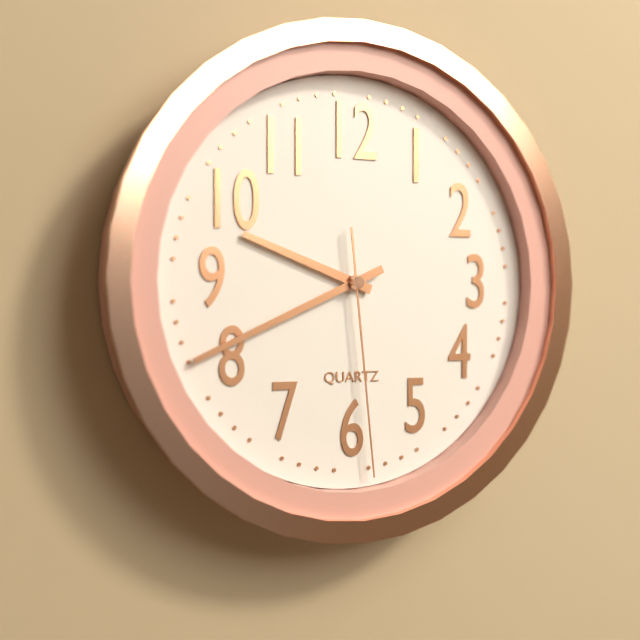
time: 9:41:29
